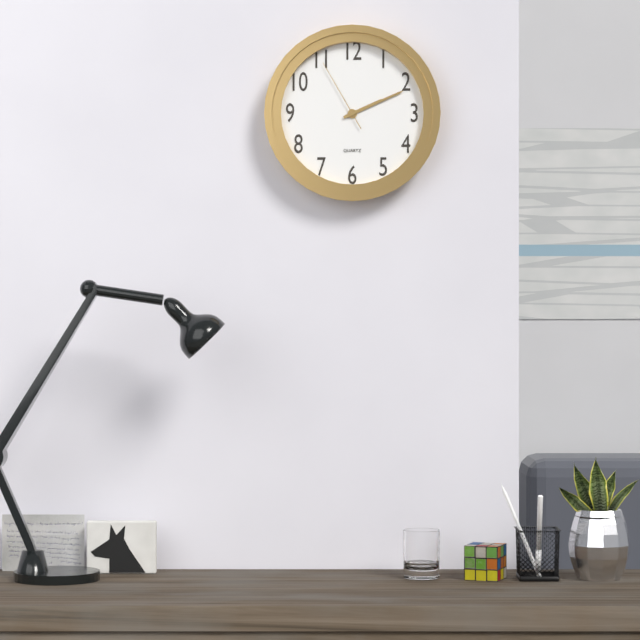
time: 2:11:55
